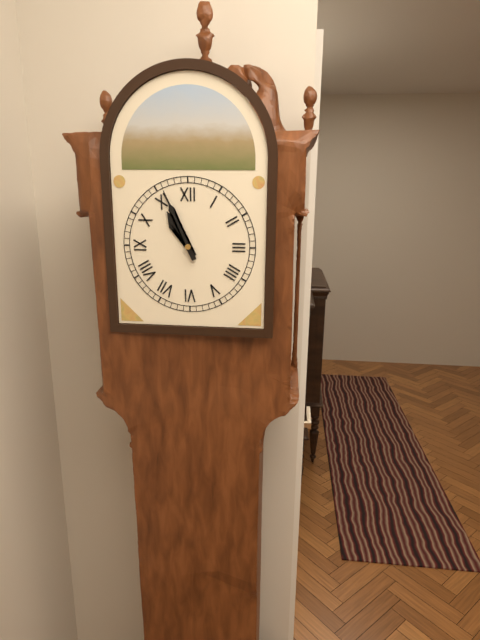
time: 10:56
